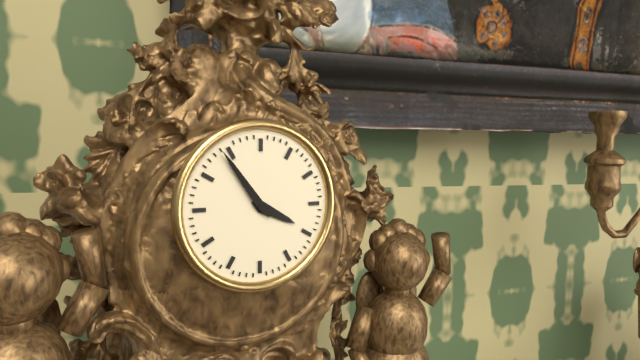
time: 3:54
